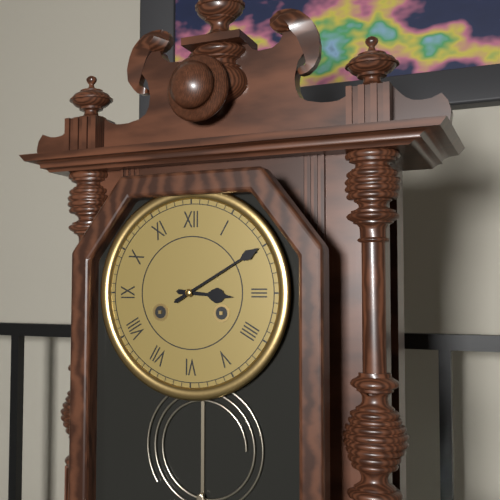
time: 3:10
